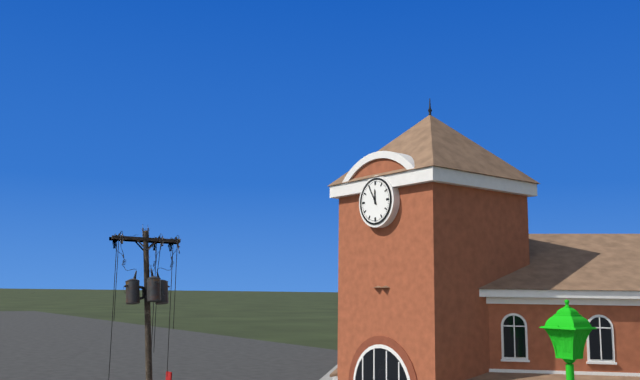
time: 11:55
